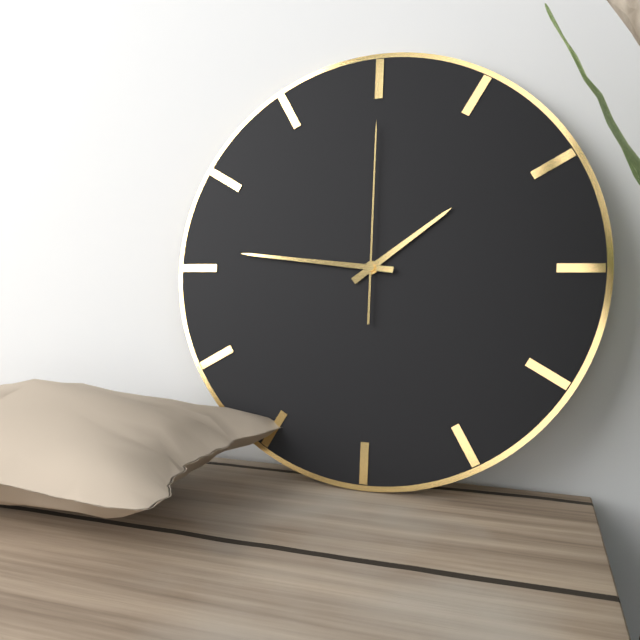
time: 1:46:00
